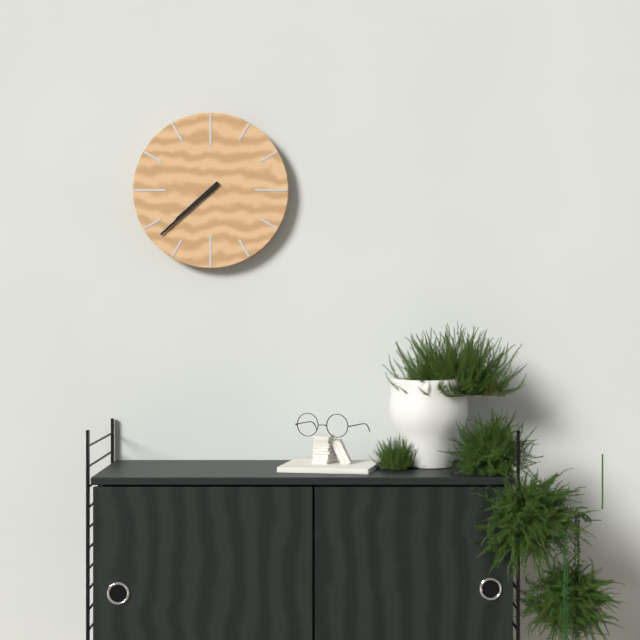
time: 7:38
